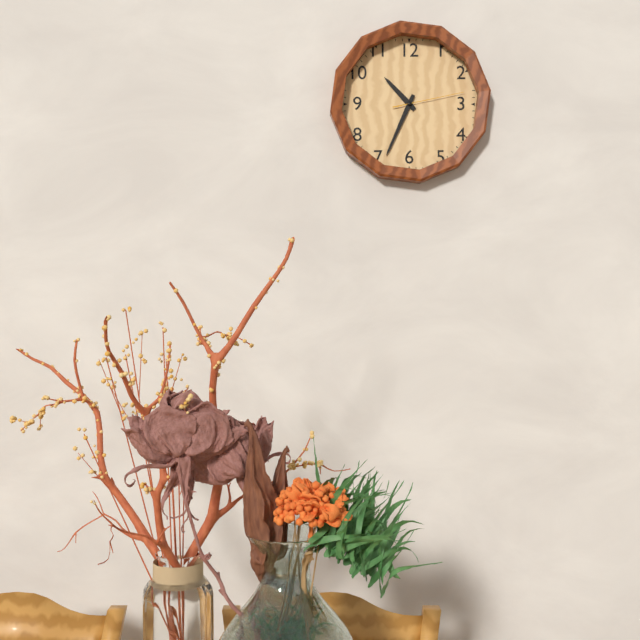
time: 10:34:13
